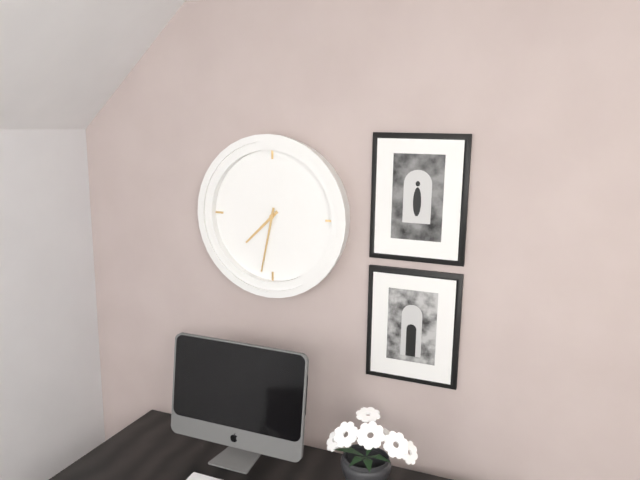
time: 7:32
